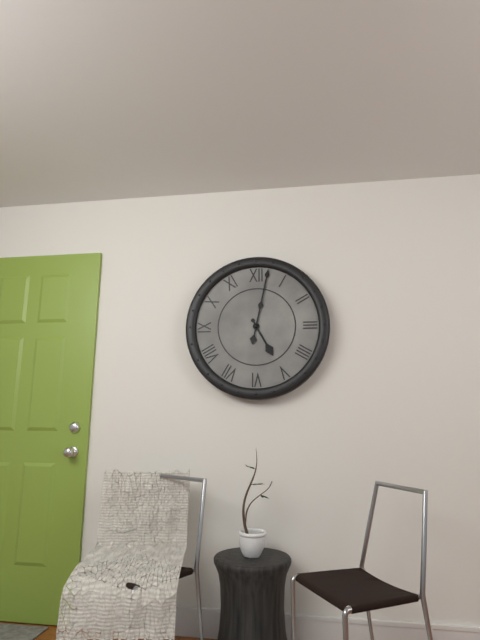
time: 5:02
